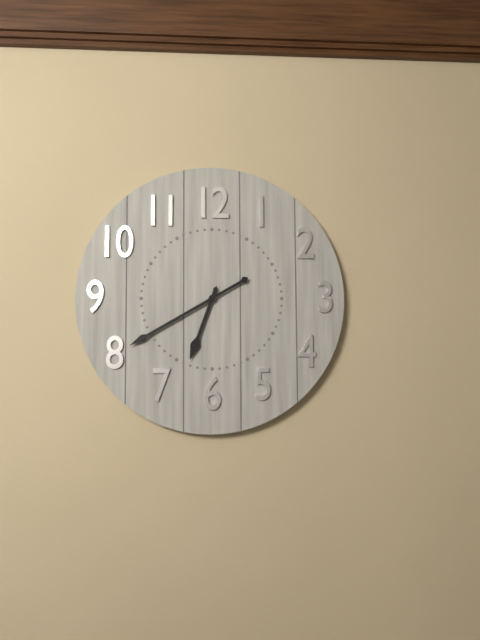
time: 6:40
